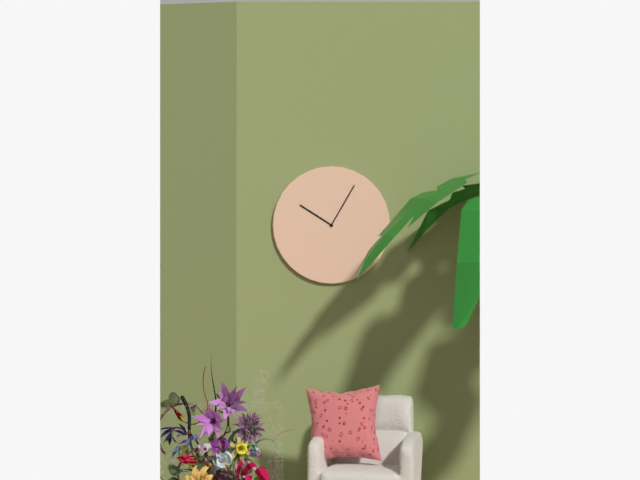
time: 10:05
